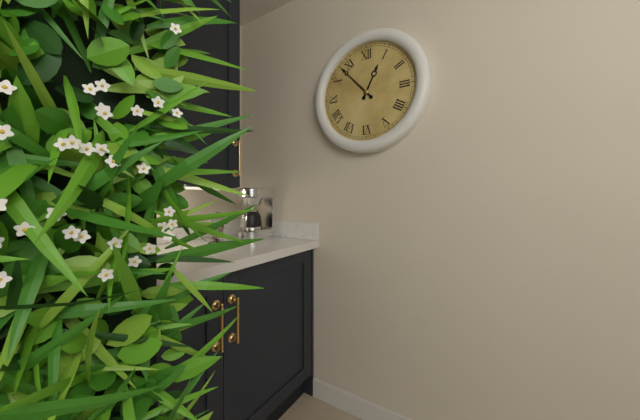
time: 12:53
